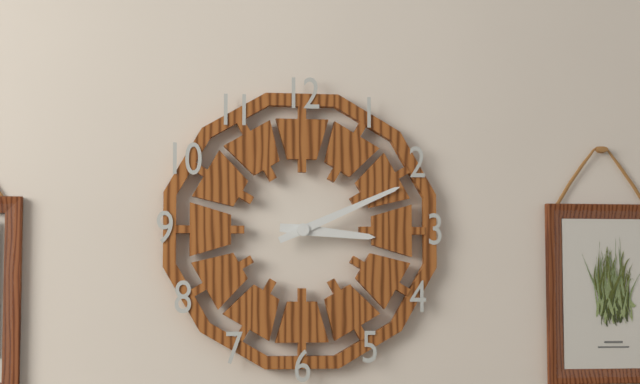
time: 3:11
